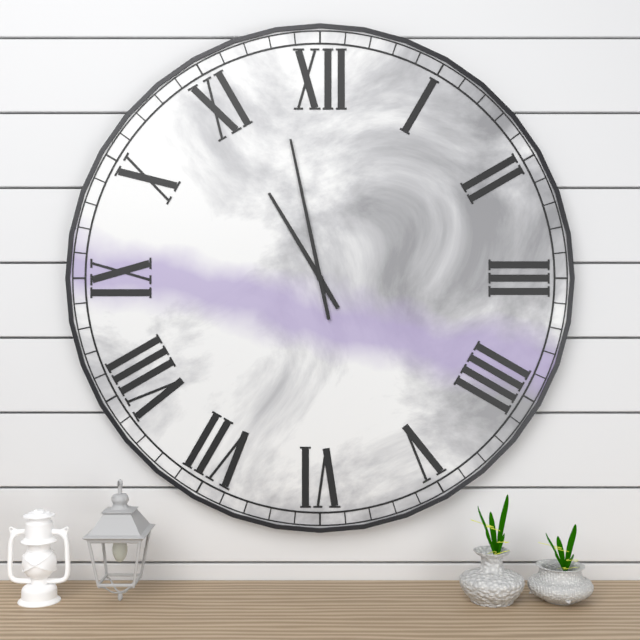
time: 10:58
